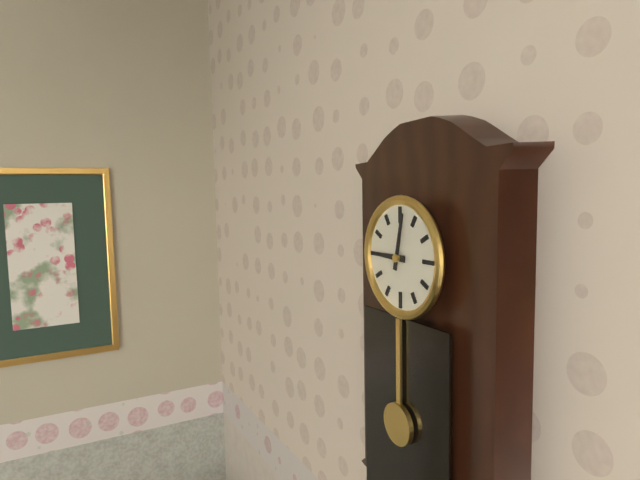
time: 9:02
